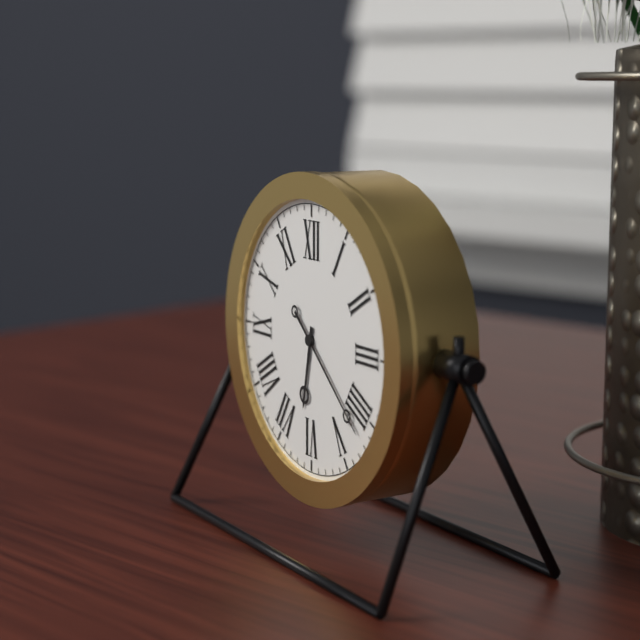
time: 6:22
